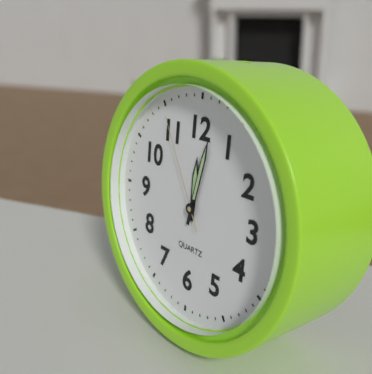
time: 12:02:55
